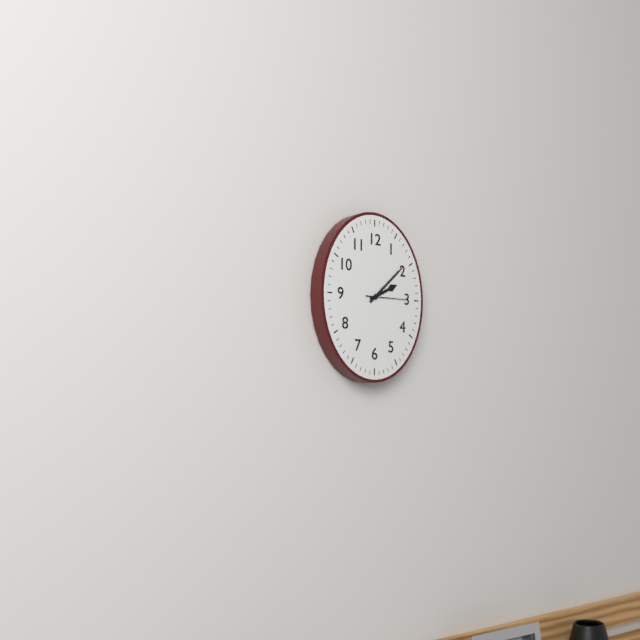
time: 2:08
